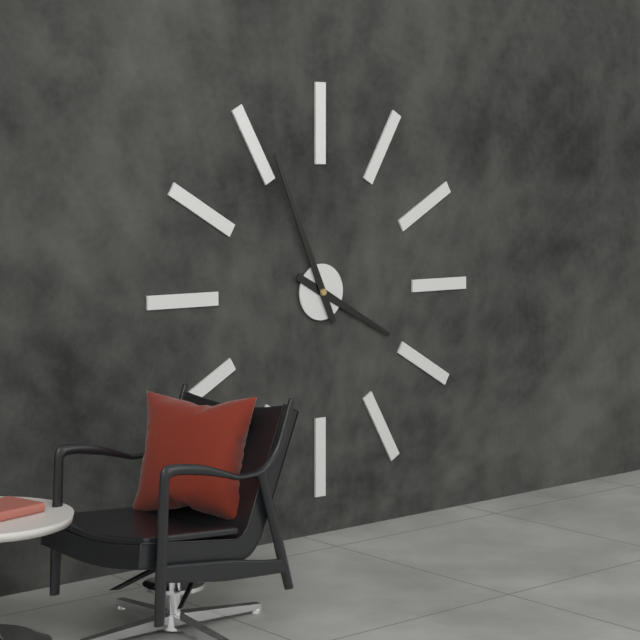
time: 3:56
